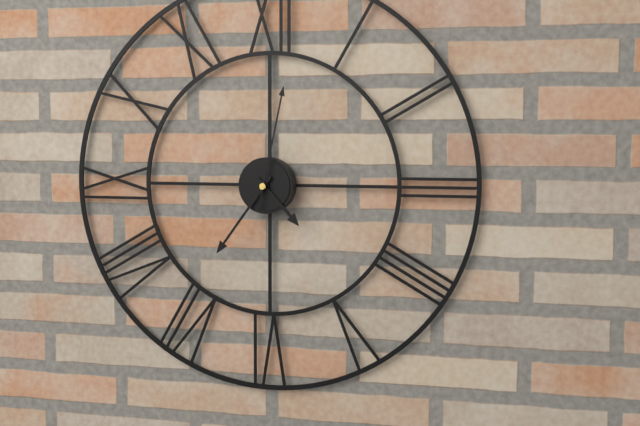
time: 4:36:02
